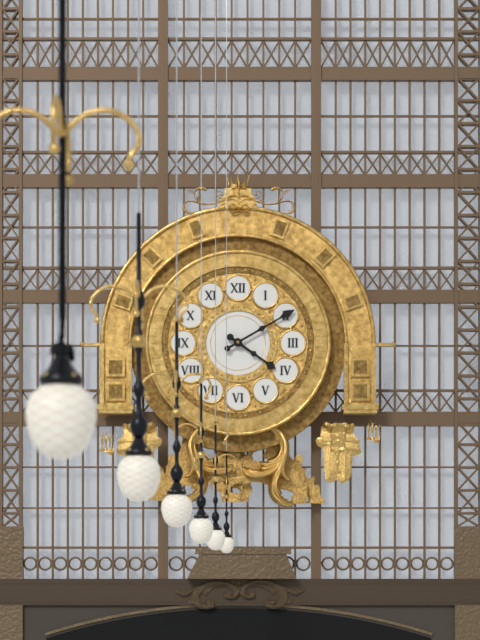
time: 4:10
